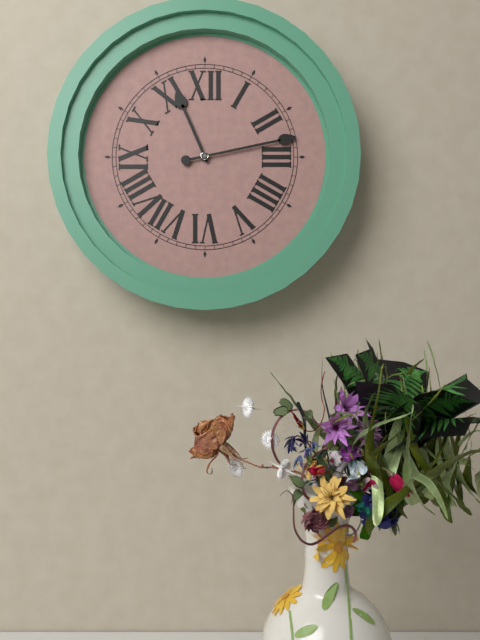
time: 11:13
